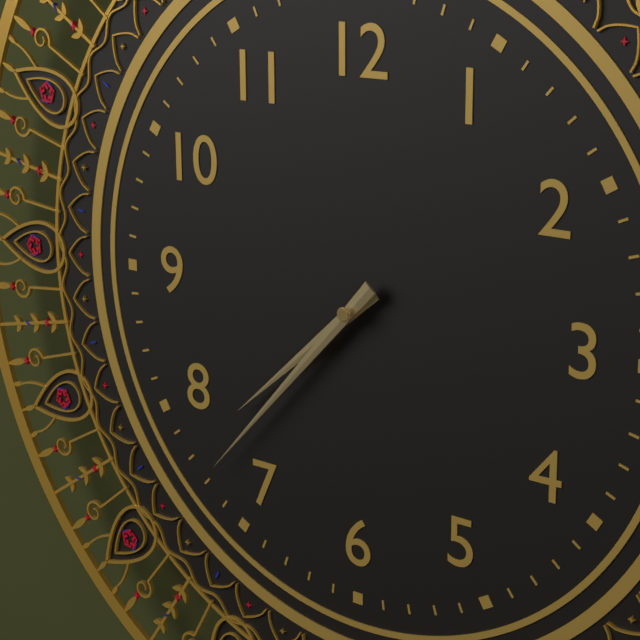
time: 7:37
